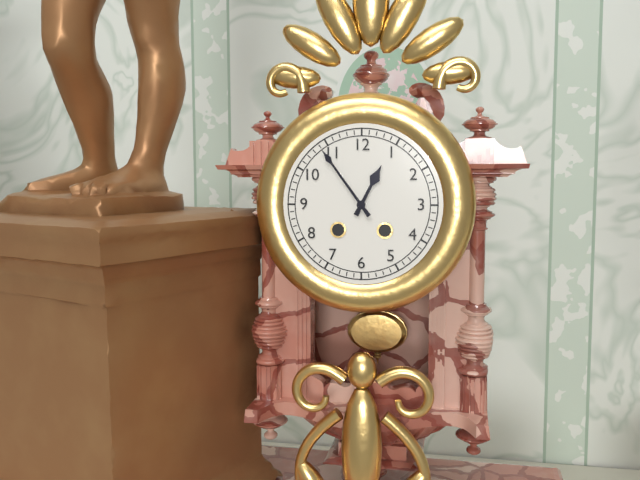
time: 12:54
